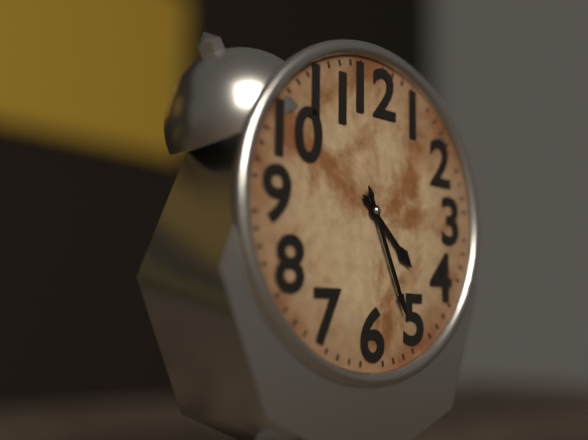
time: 4:26
